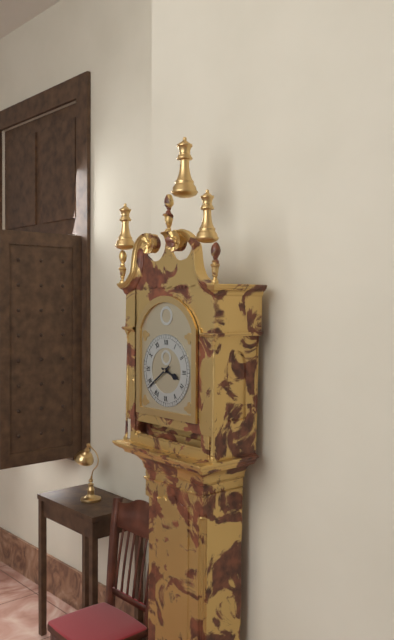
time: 3:39
